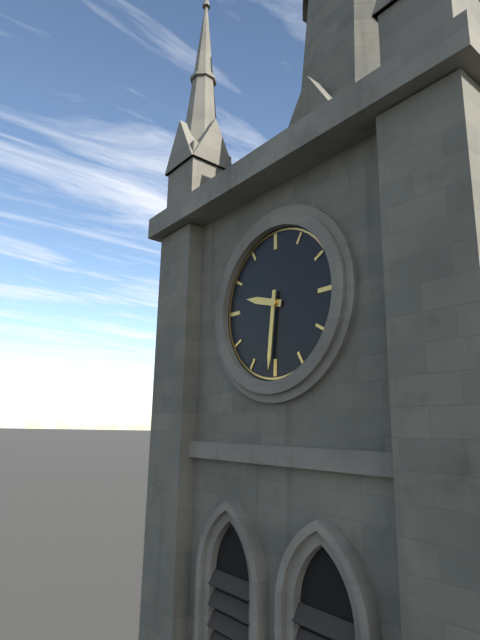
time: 9:31
